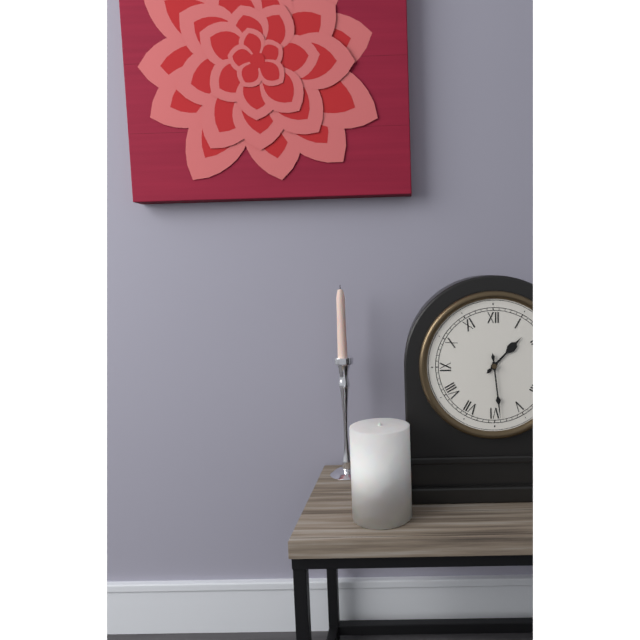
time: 1:29
